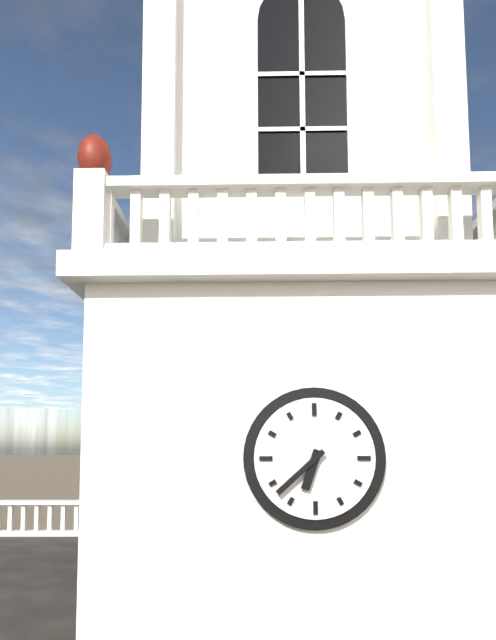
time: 6:38
